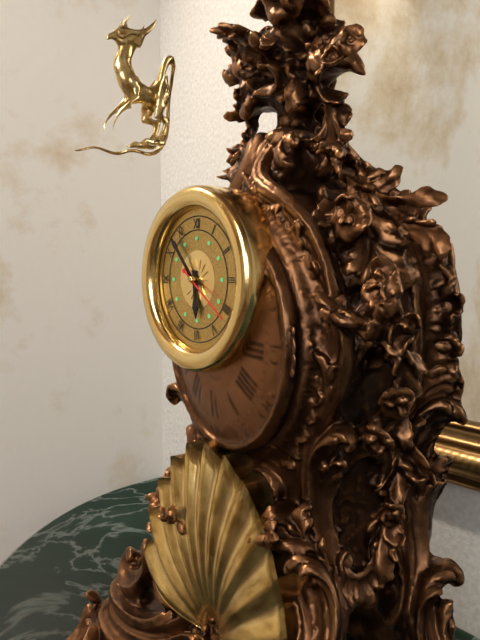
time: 5:53:21
